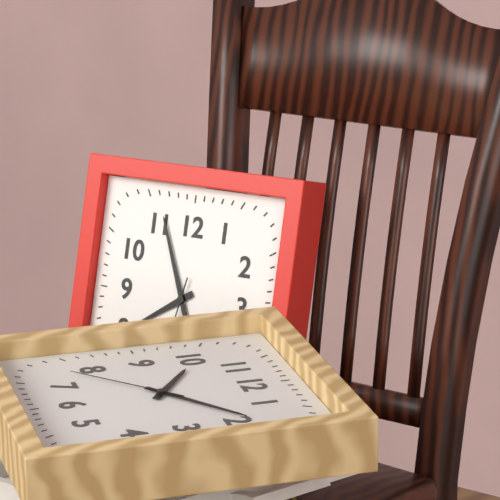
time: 7:56
